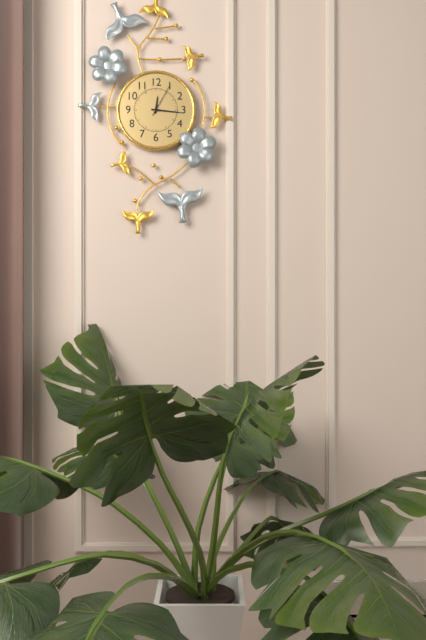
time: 12:16
